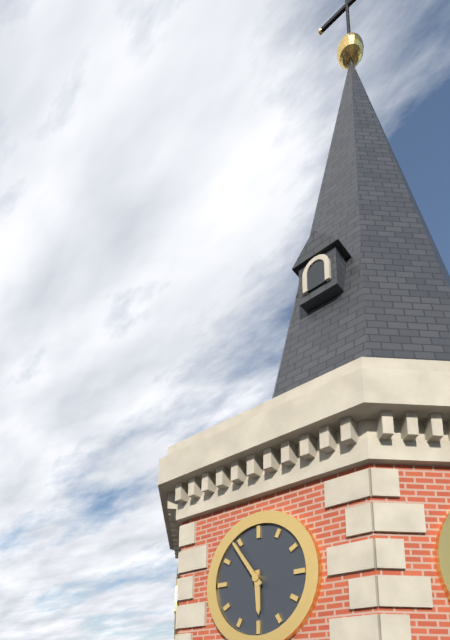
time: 5:54
